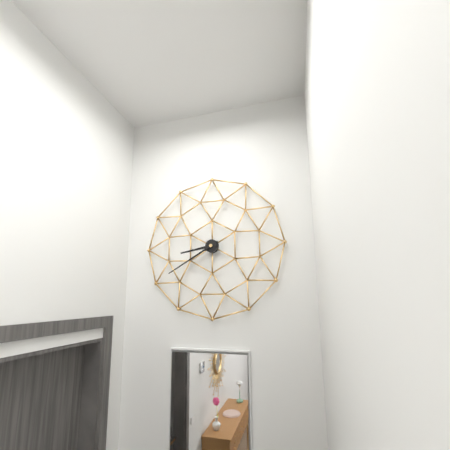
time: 8:40
